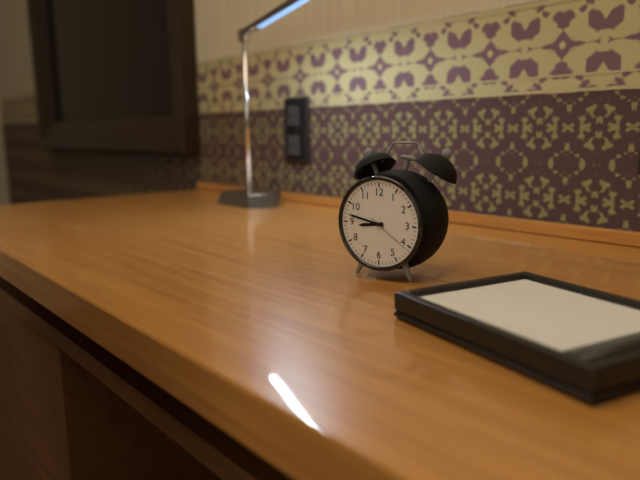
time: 8:47
